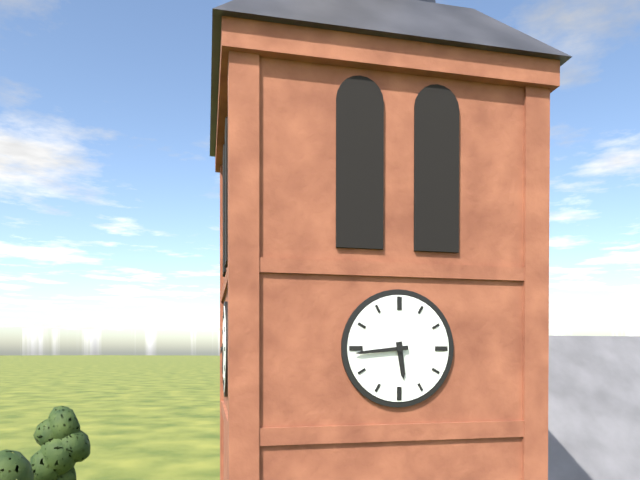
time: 5:44
